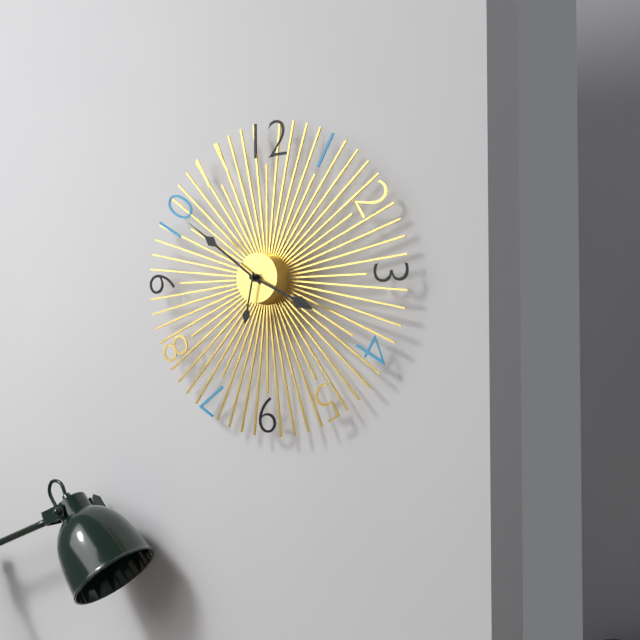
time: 3:51:32
